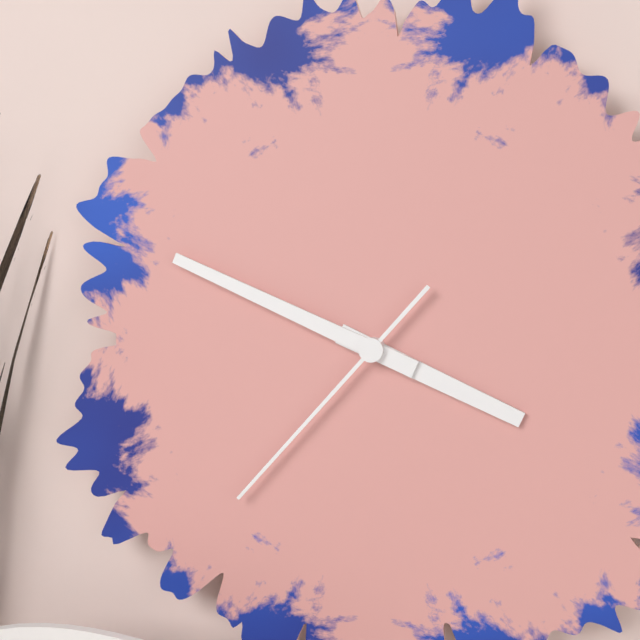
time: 3:49:37
